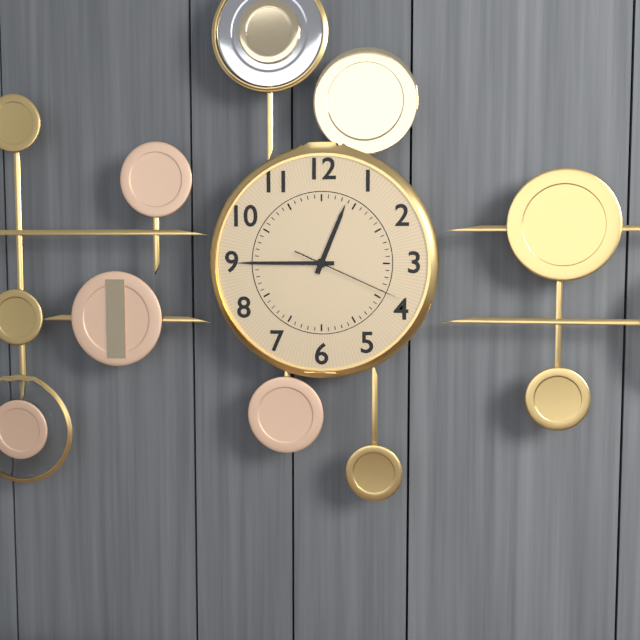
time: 12:45:19
